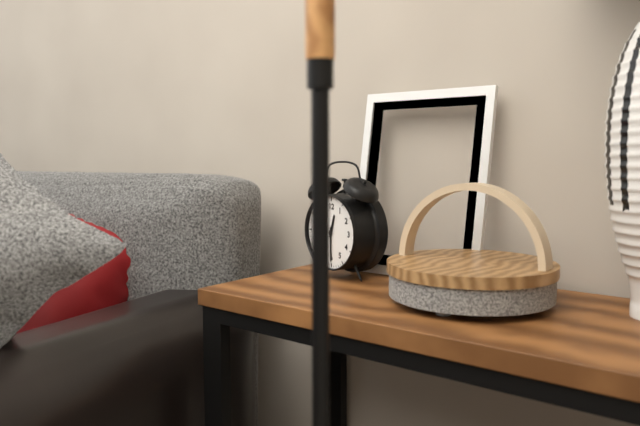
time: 12:30
